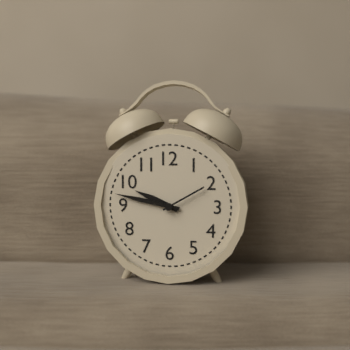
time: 9:47
